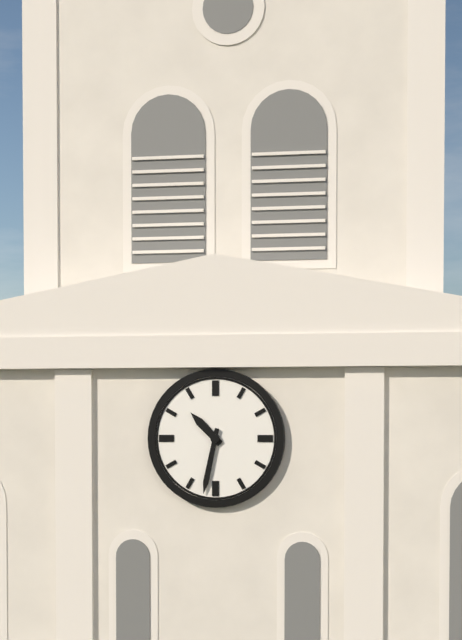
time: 10:32
